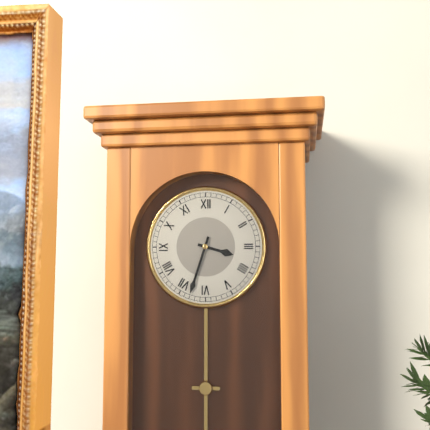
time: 3:33
